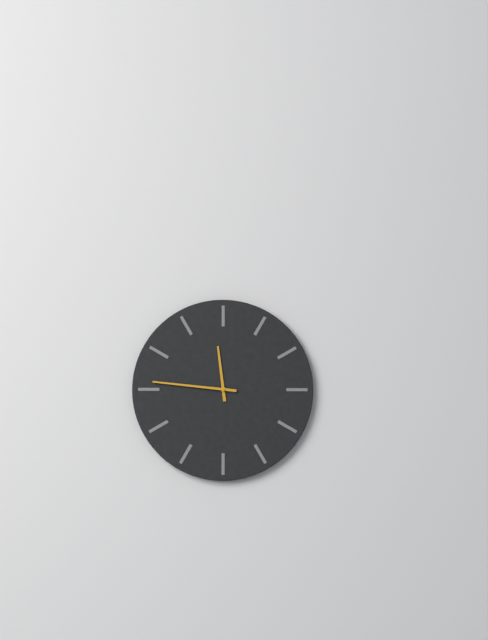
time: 11:46
